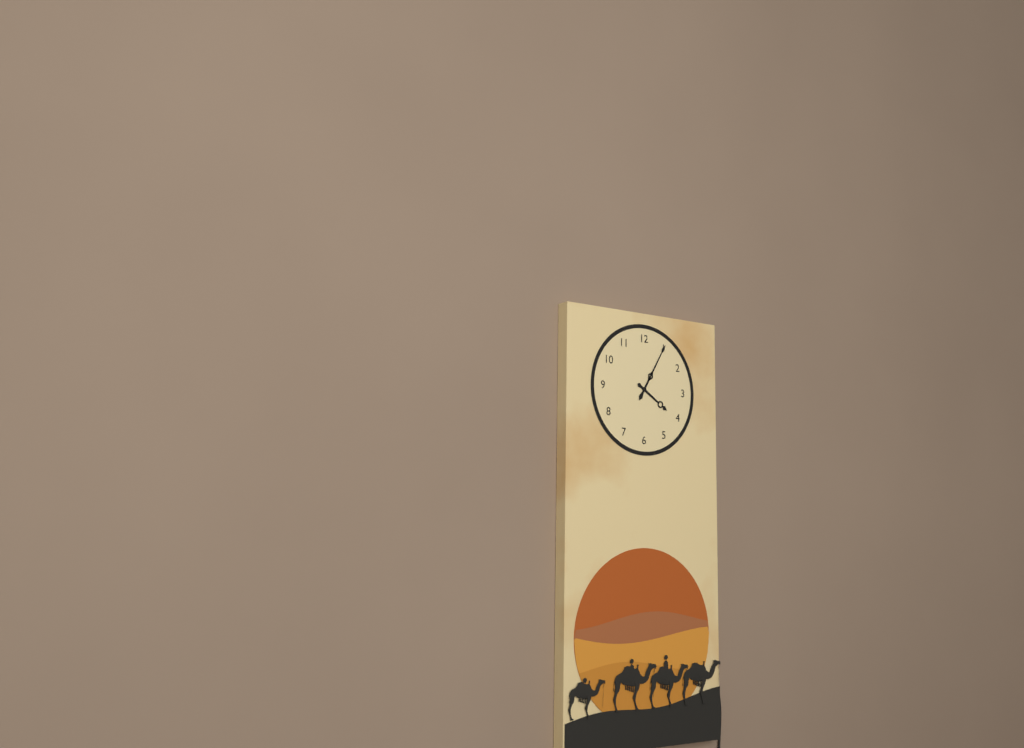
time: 4:05
